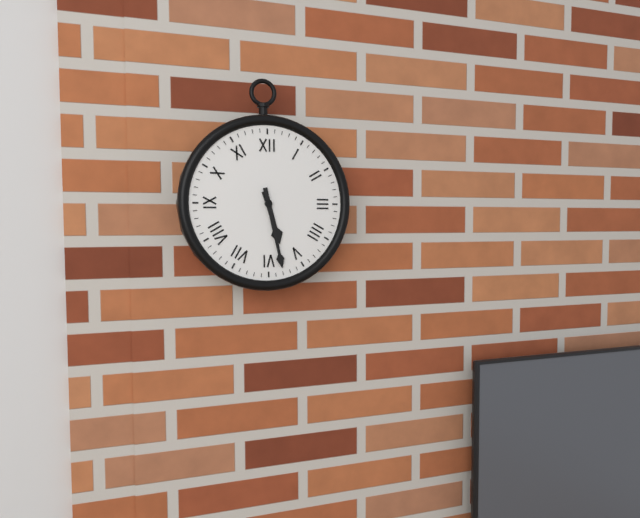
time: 5:28
